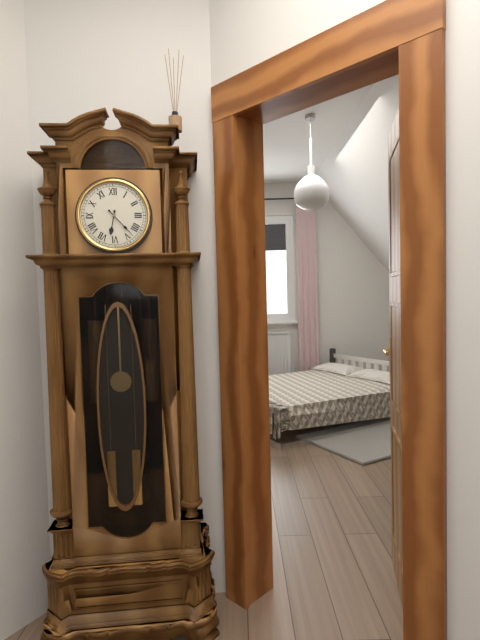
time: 6:23
